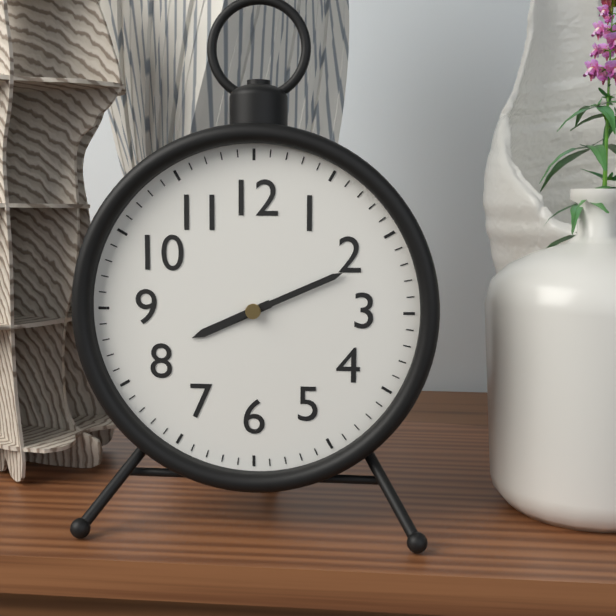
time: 8:11
